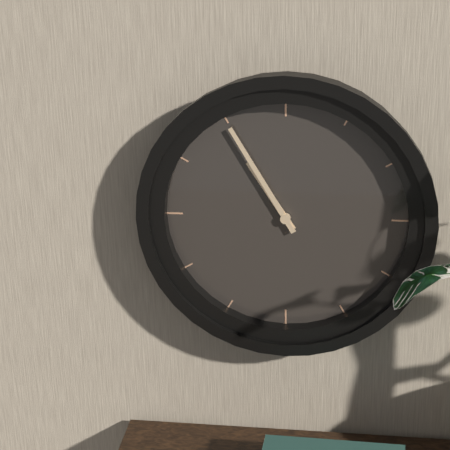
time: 10:55
